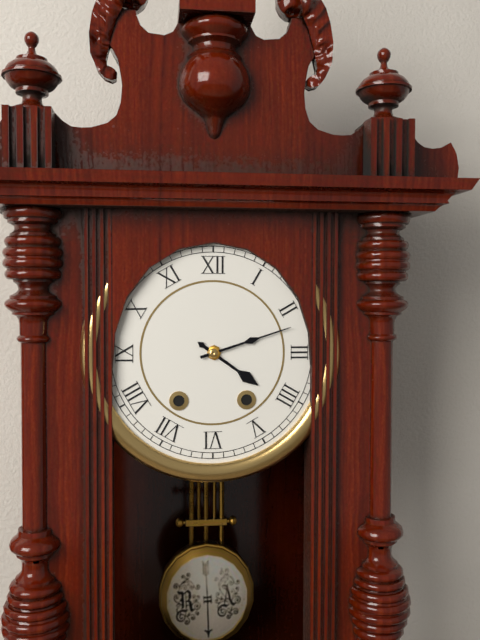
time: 4:12
